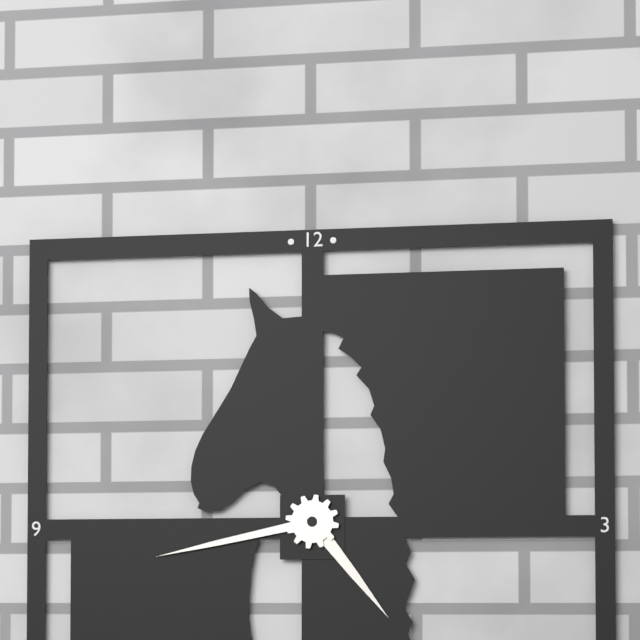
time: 4:43
